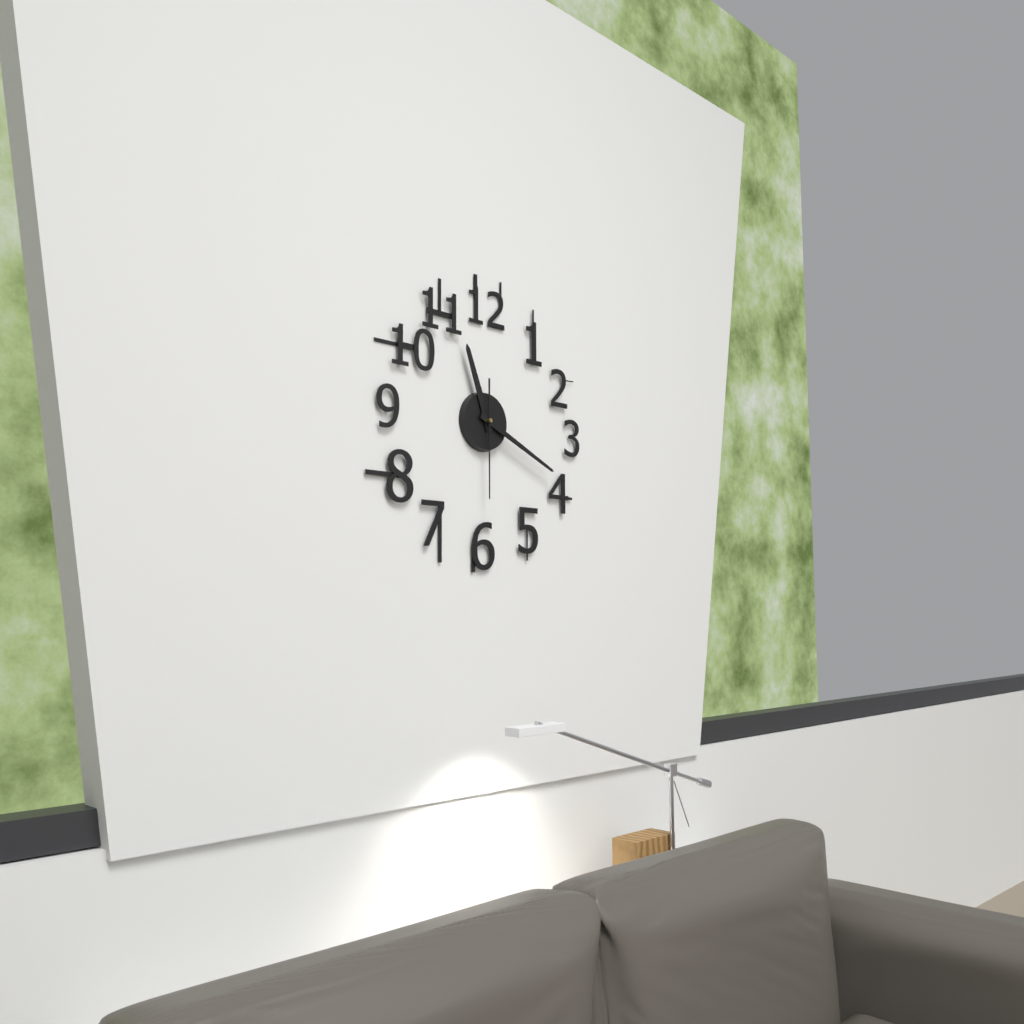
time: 11:19:30
